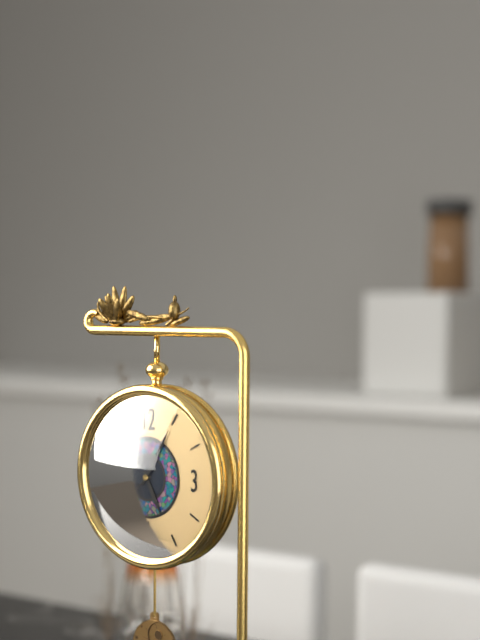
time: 5:05:37
